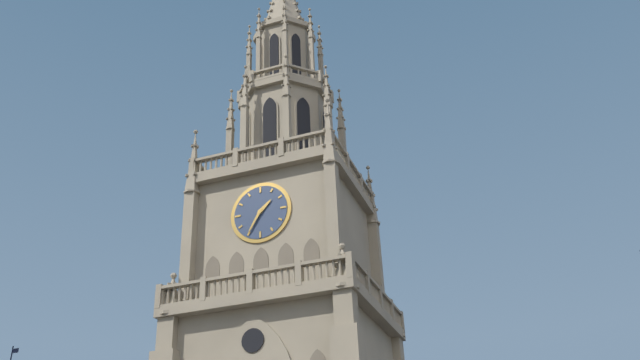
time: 1:35
